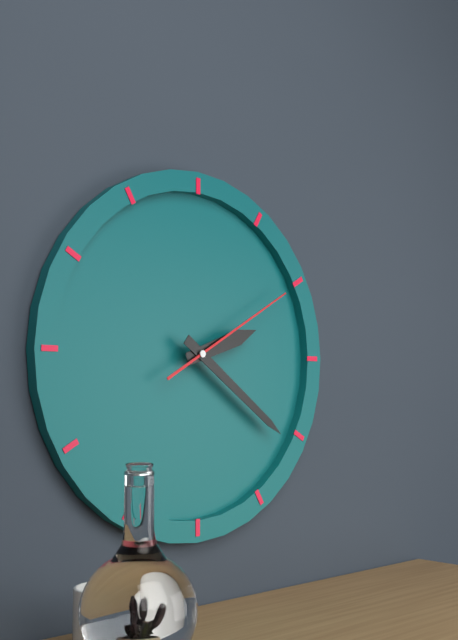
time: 2:21:10
